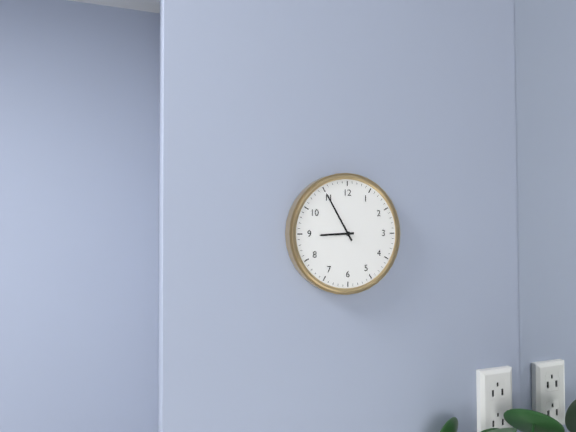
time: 8:55
